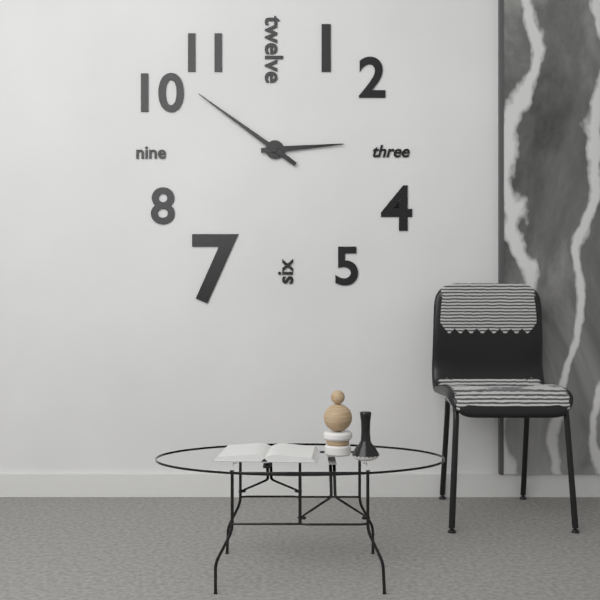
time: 2:51
